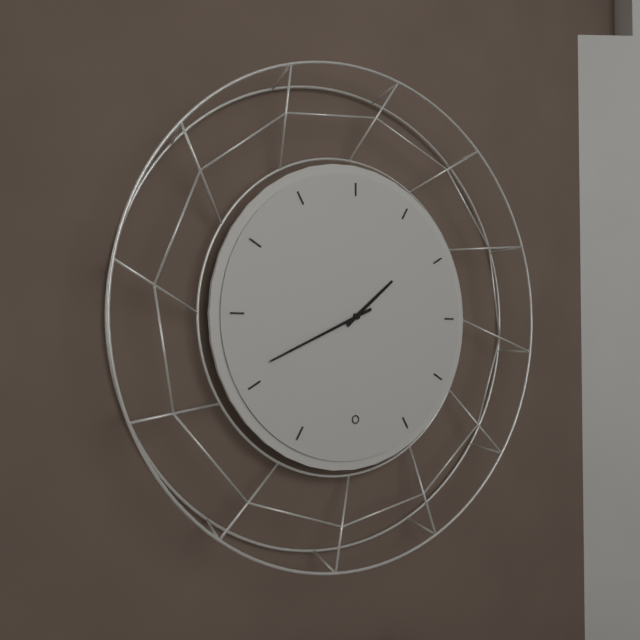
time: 1:41
